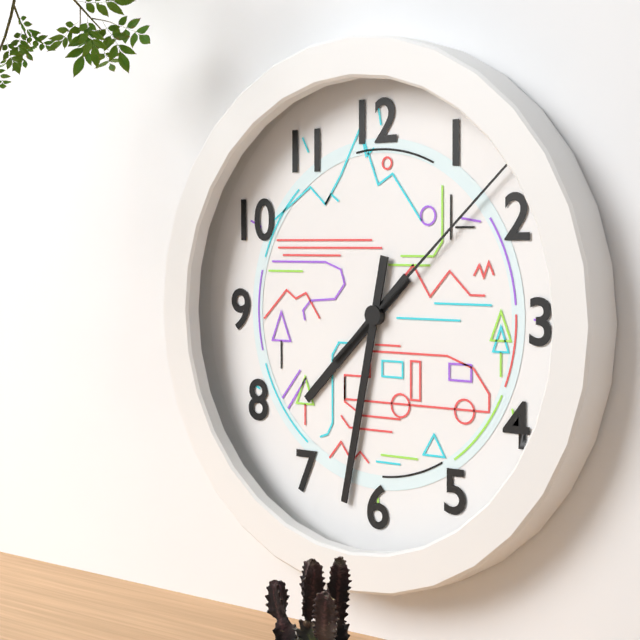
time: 7:32:08
